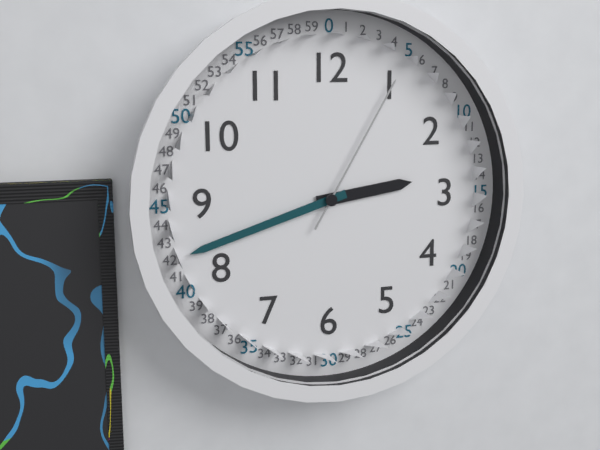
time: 2:42:05
